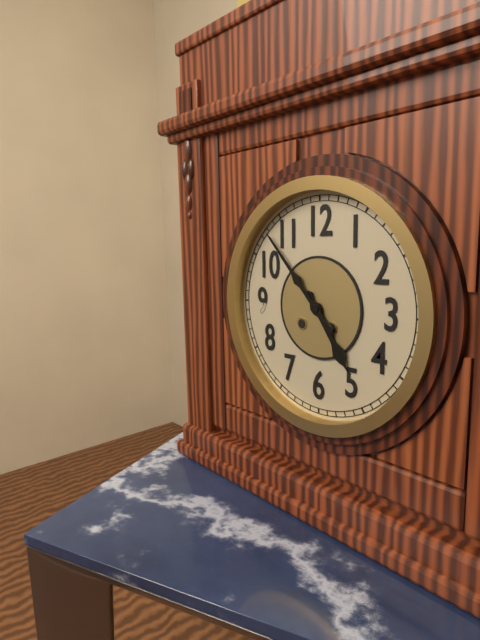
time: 4:53
